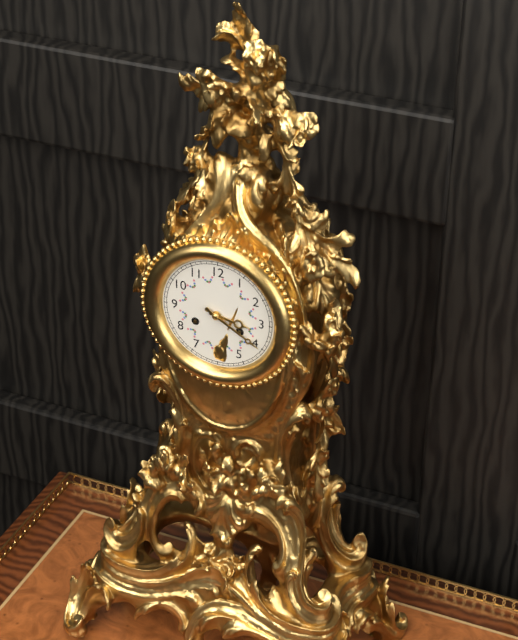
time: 3:20
